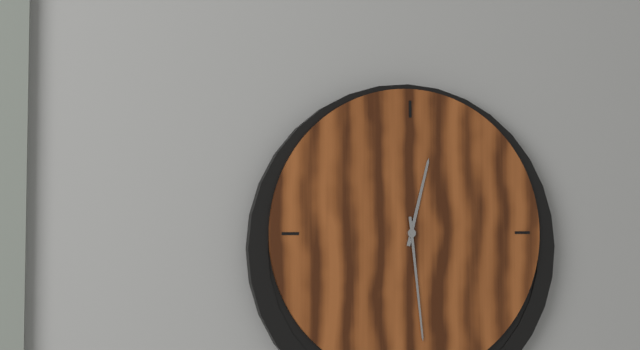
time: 12:29
